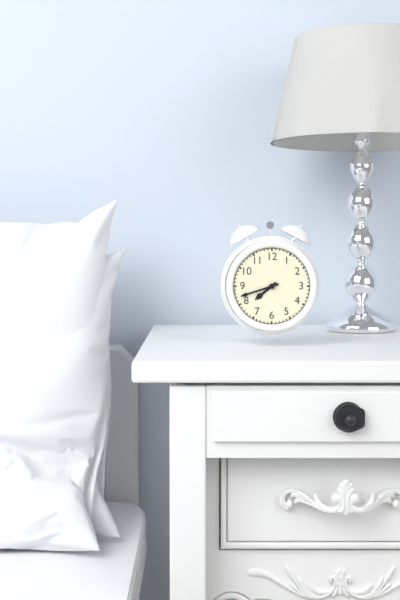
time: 7:42
